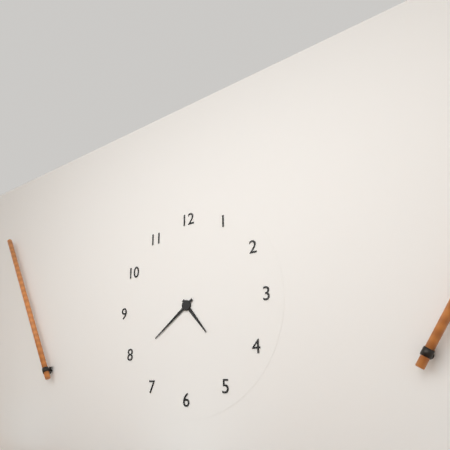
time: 4:39
